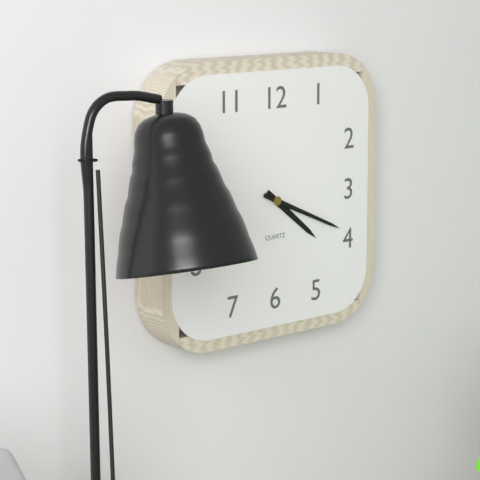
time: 4:19
